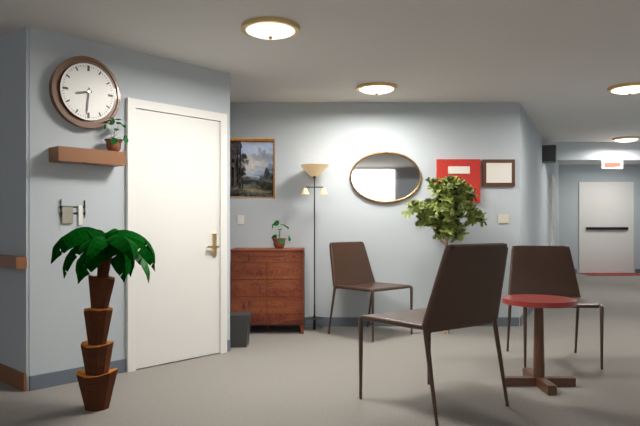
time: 8:31
